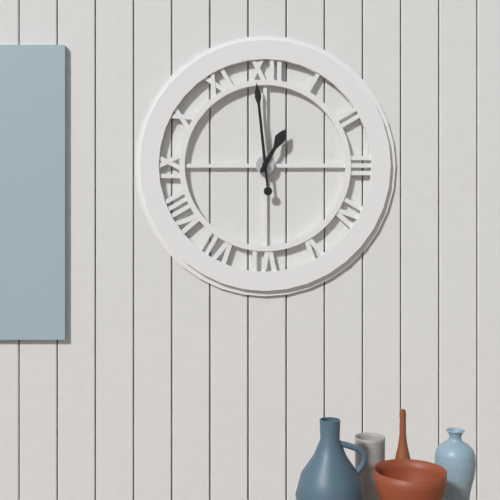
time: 12:59
